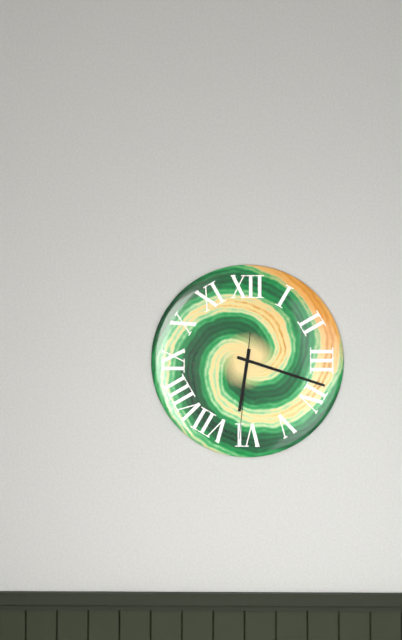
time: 6:18:31
